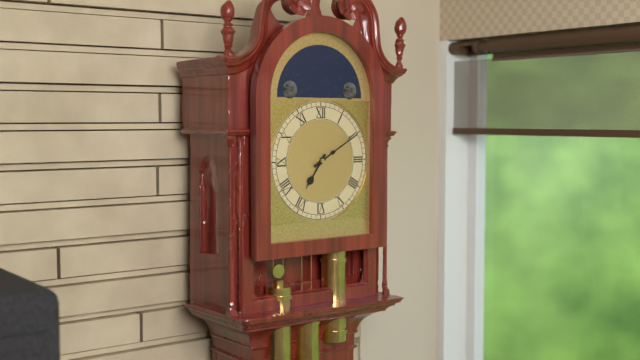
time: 7:10
